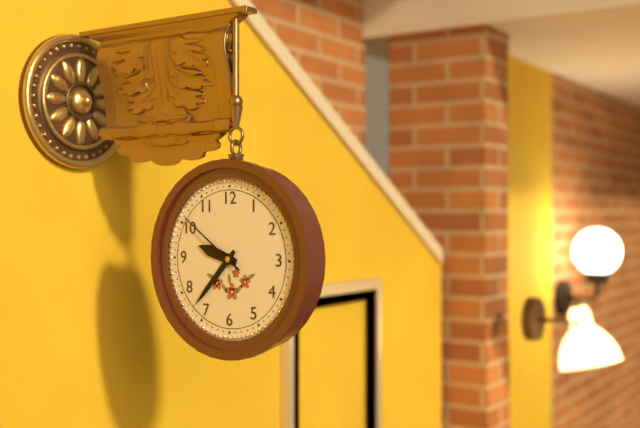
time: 9:37:51
